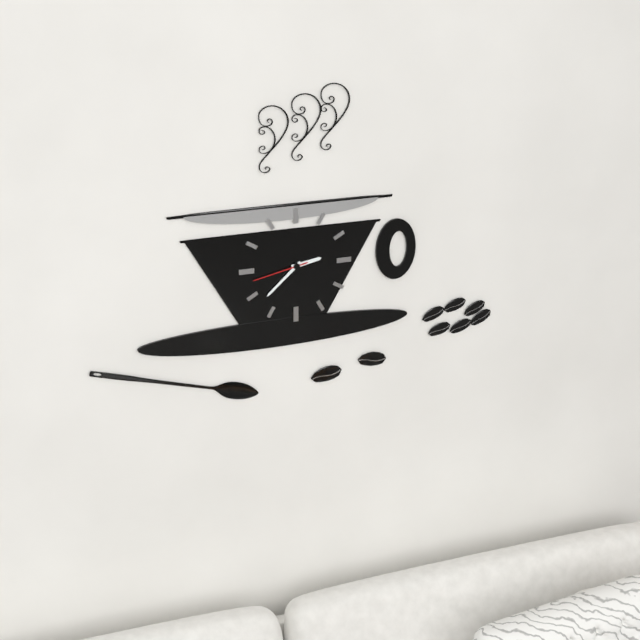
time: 2:38:43
